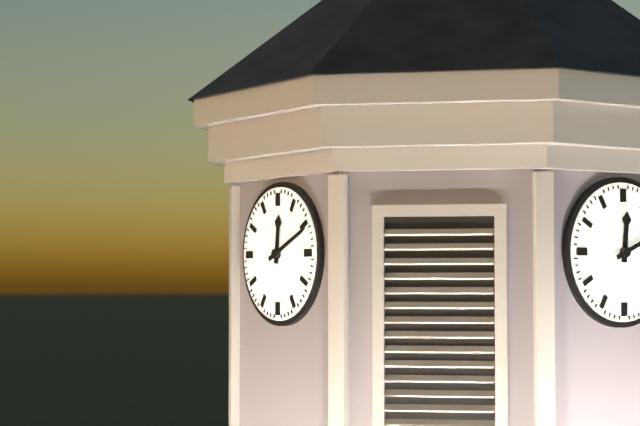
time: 12:11
